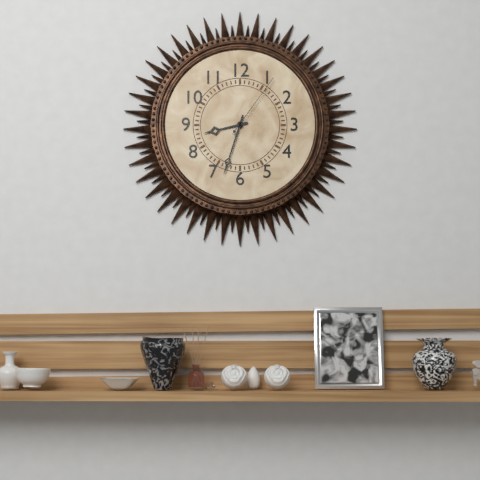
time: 8:33:06
